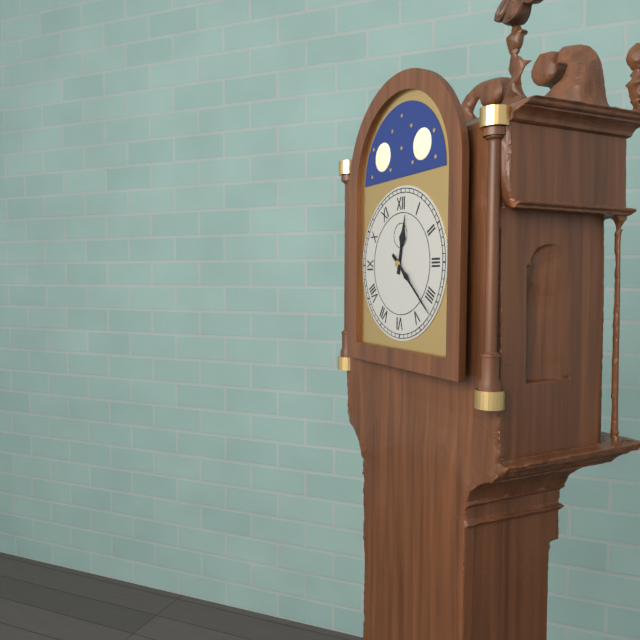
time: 12:22
